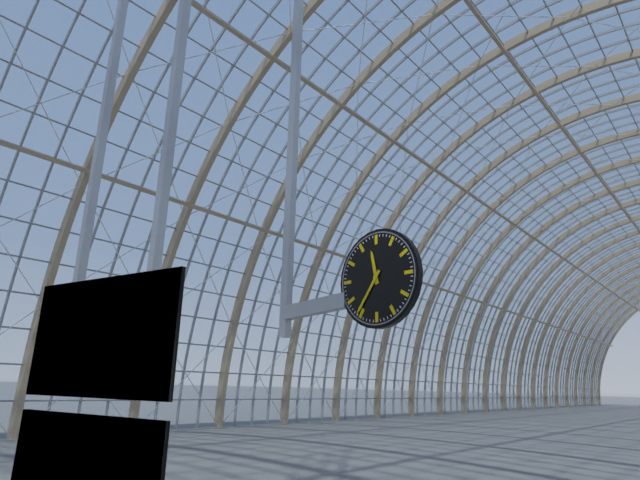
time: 11:36
